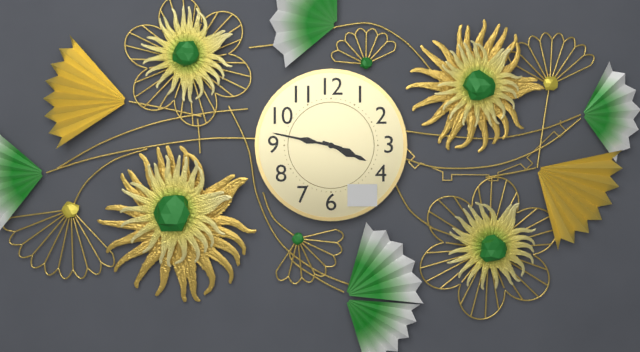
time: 3:47
